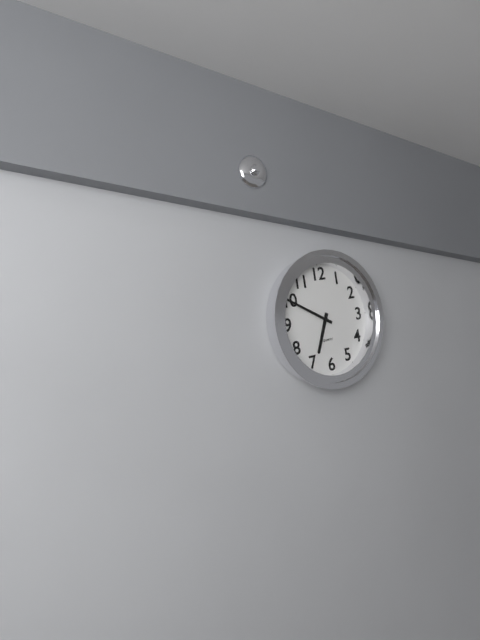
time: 6:50
